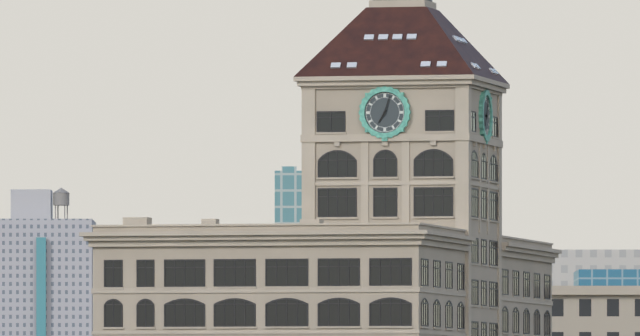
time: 7:03
